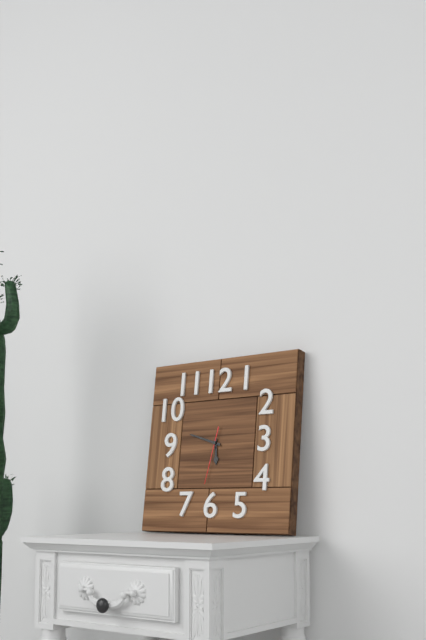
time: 5:48:32
